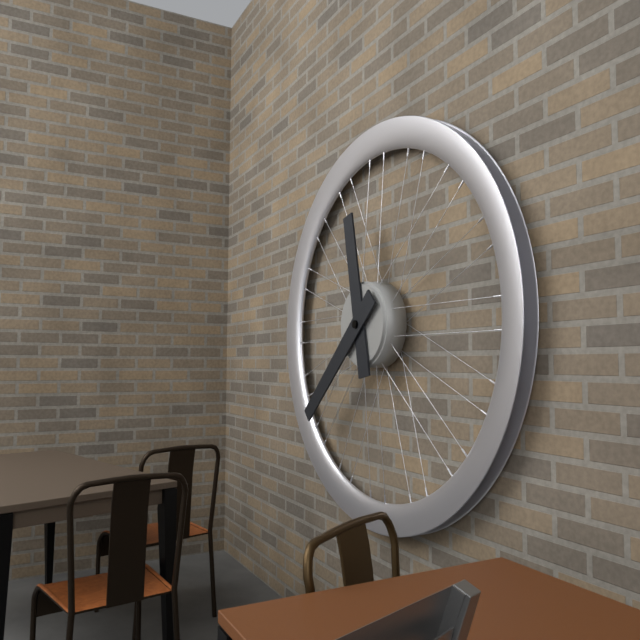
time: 11:38
